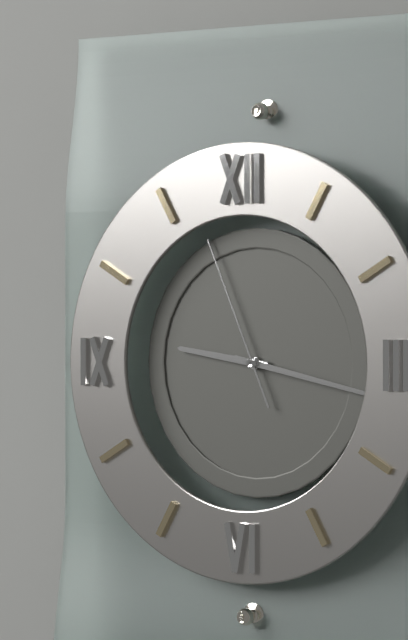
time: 9:17:56
